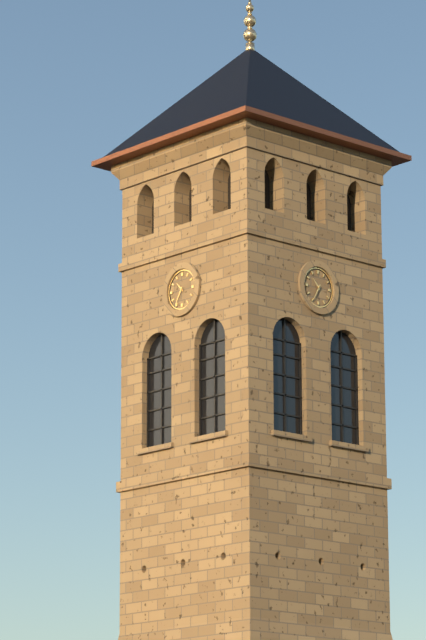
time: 10:35
